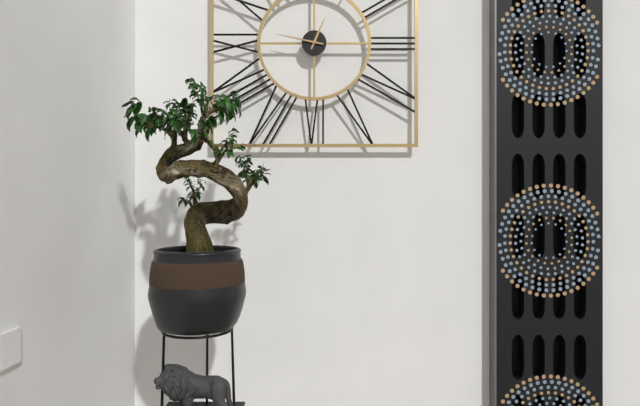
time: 12:47
